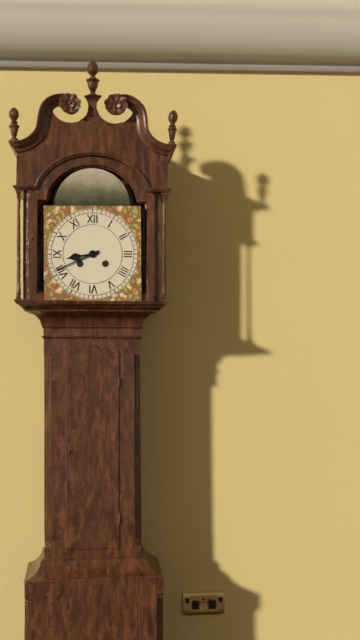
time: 8:41
